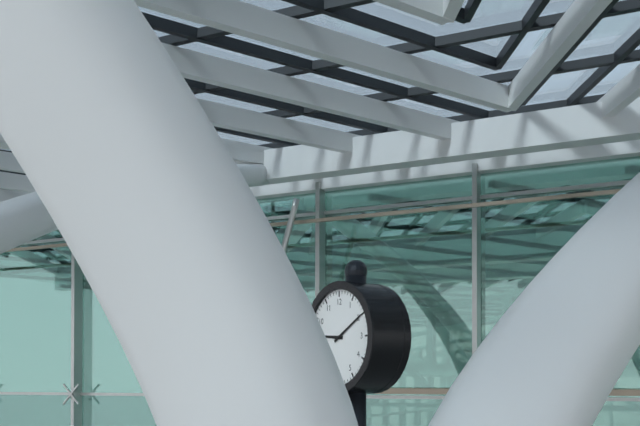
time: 9:10
